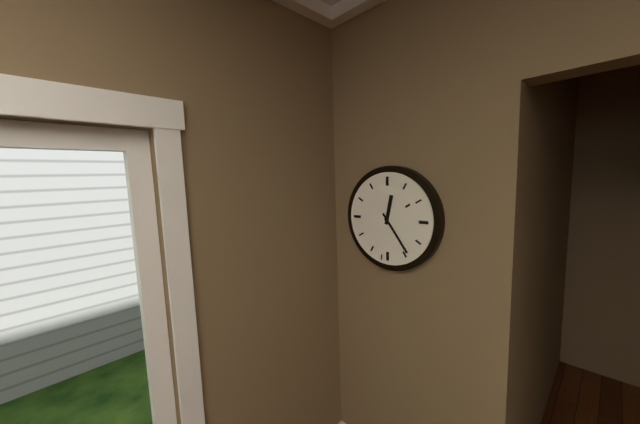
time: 12:24
